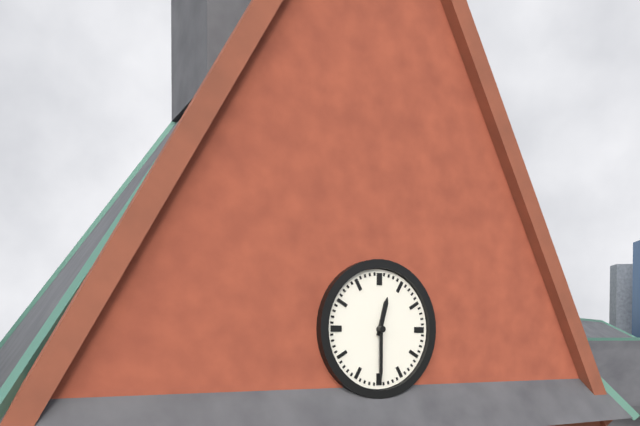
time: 12:30
